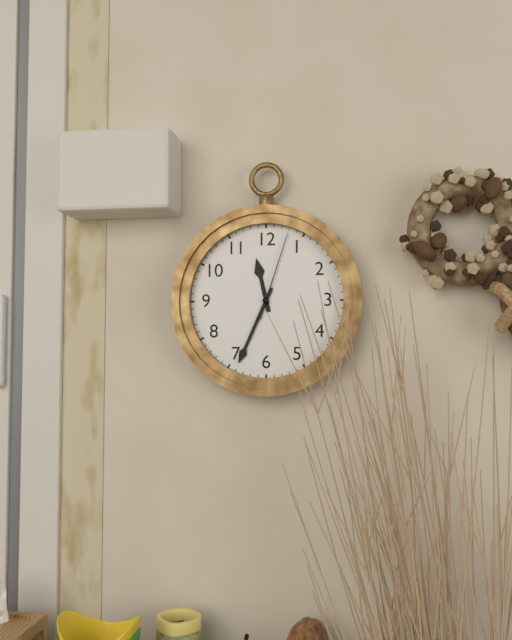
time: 11:34:03
